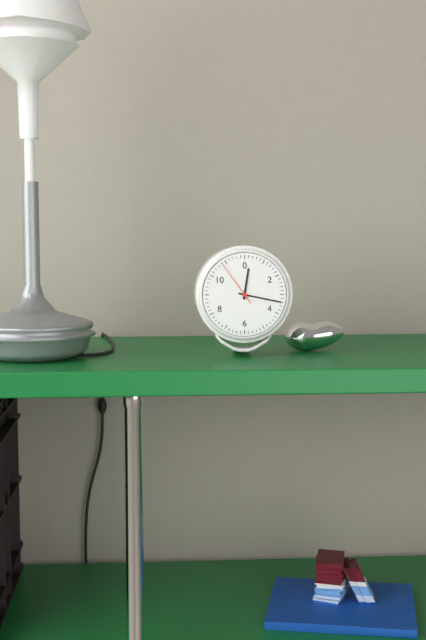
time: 12:17
